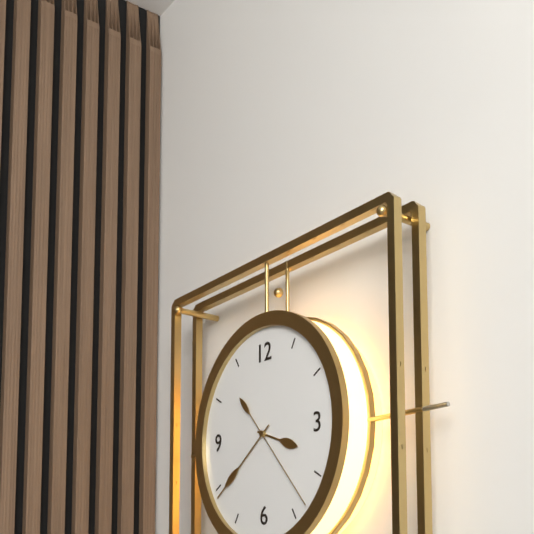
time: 3:39:23
